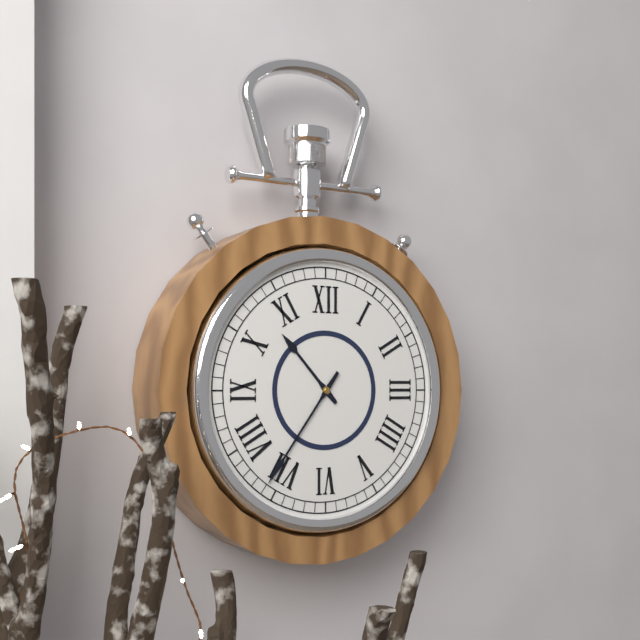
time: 10:36
